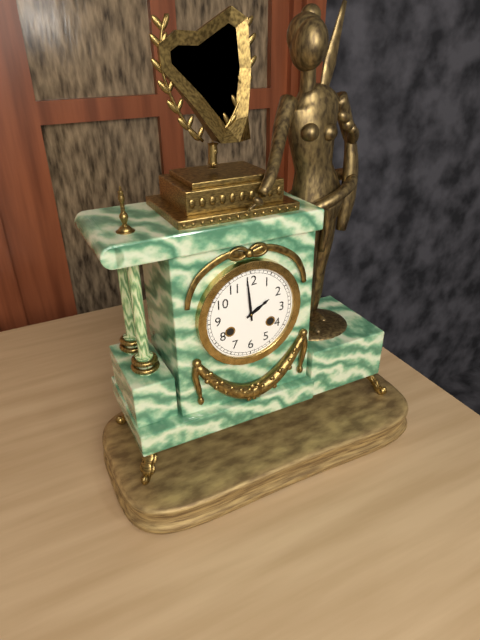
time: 1:59
